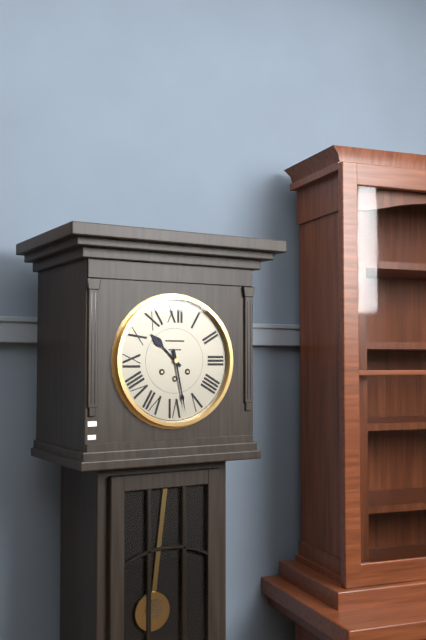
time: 10:28
